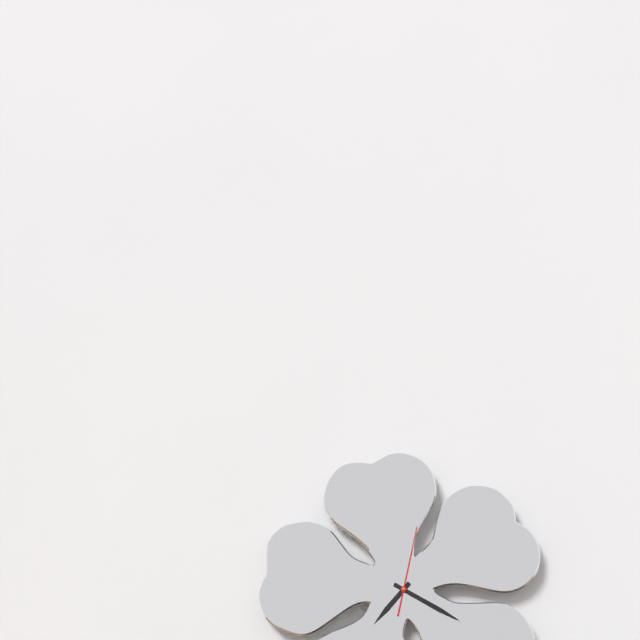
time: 7:20:02
